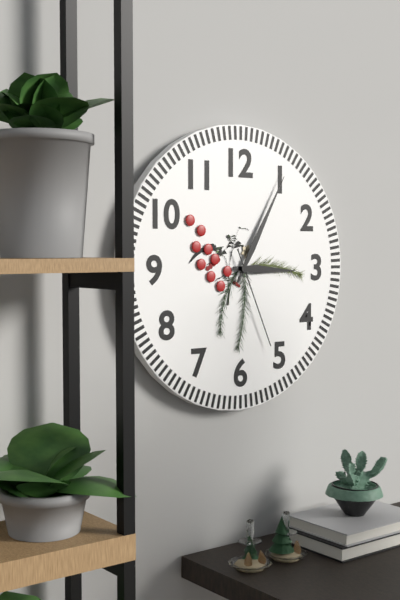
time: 3:05:26
